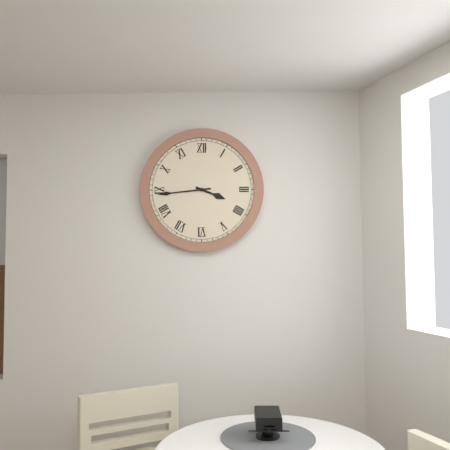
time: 3:44
